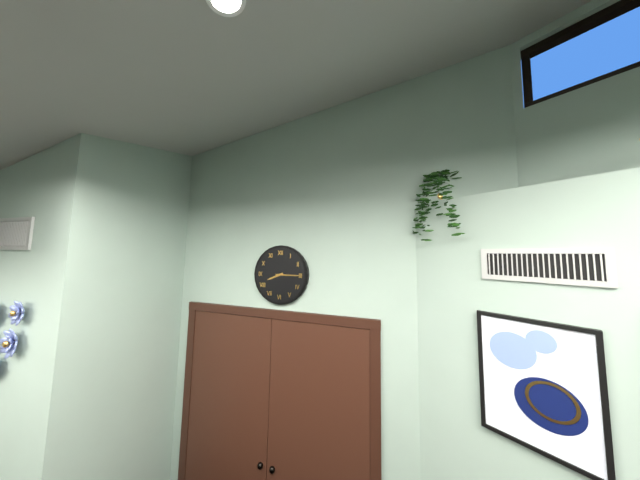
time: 8:15
